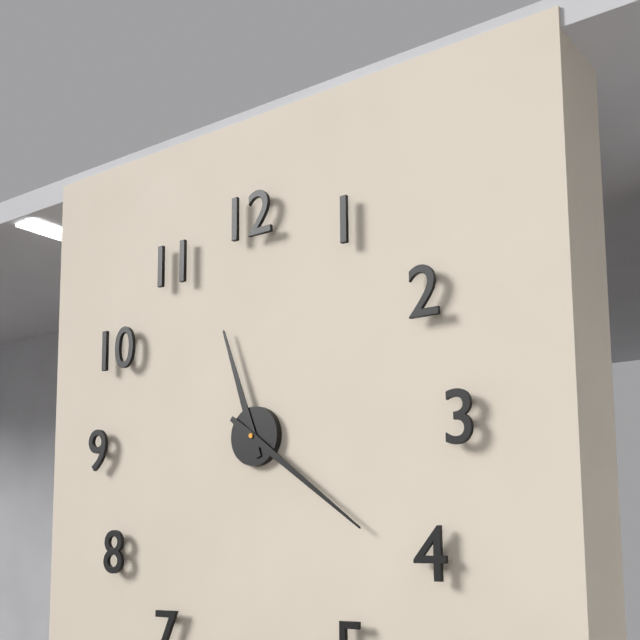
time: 11:21
